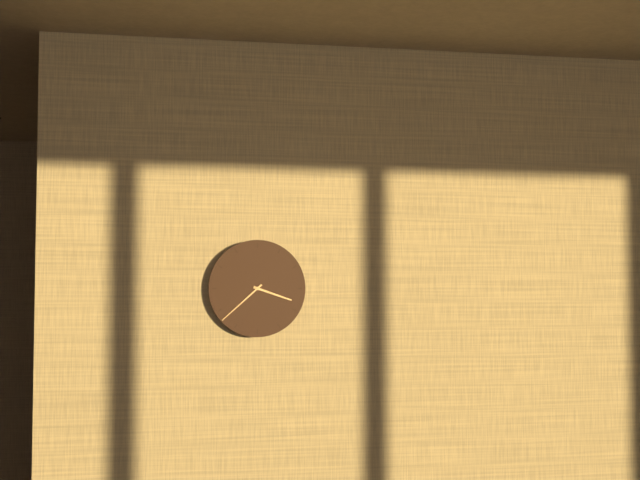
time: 3:38
